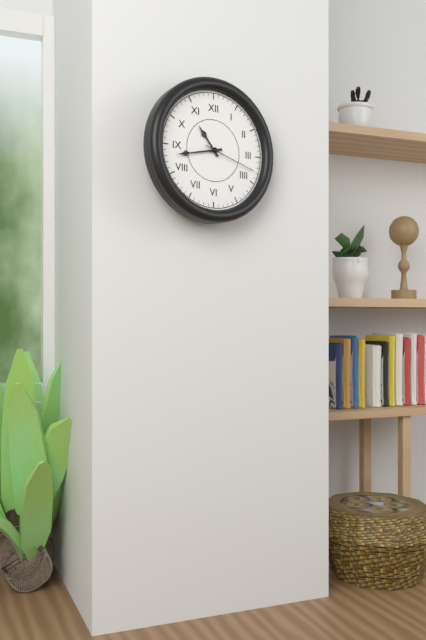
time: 10:43:18
